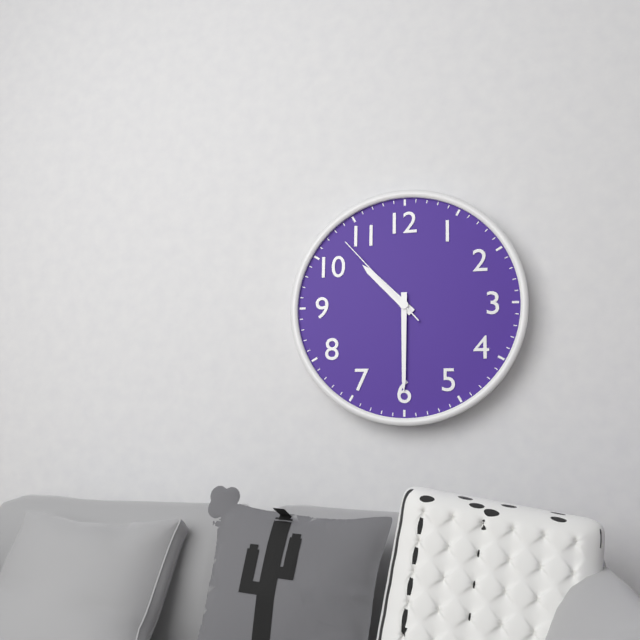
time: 10:30:53
